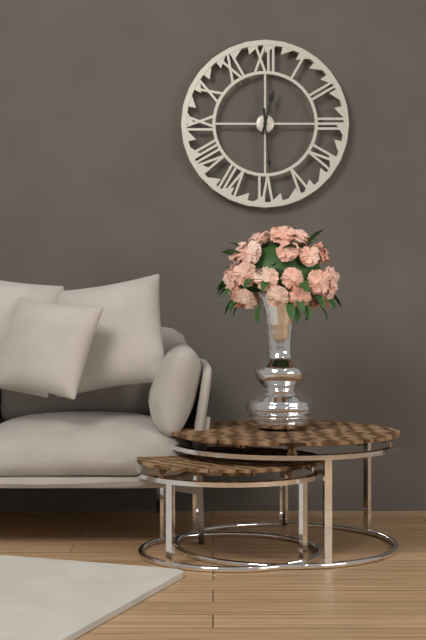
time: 12:29
